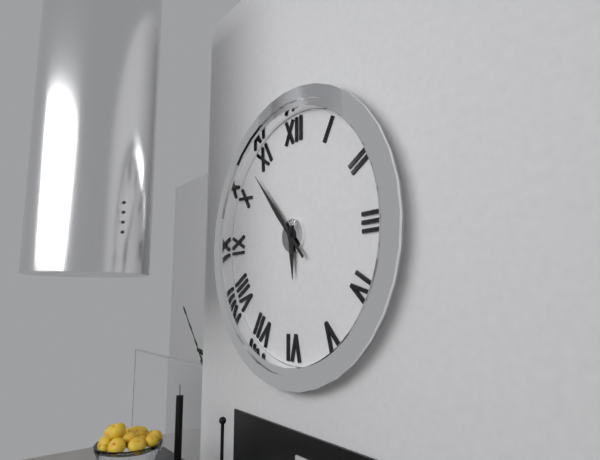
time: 5:53
